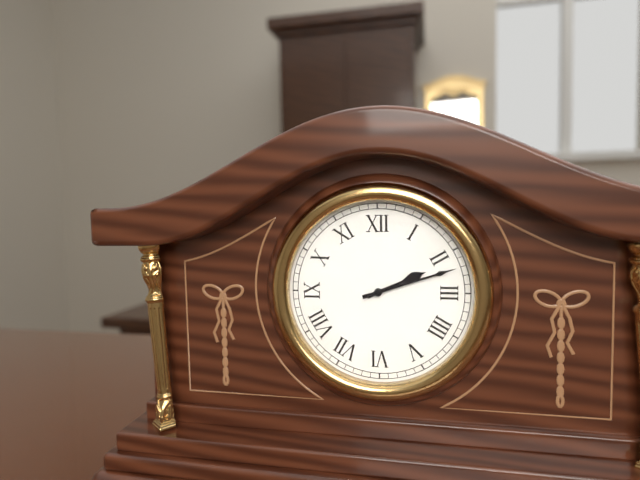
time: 2:12
